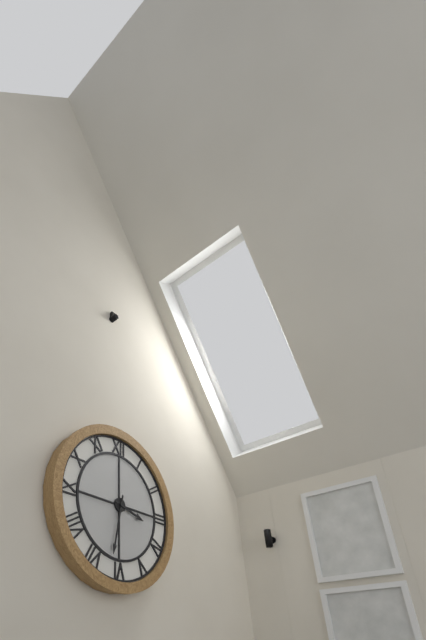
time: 3:32
